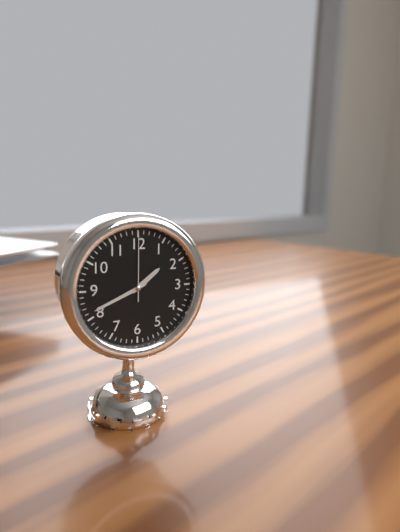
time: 1:41:00
